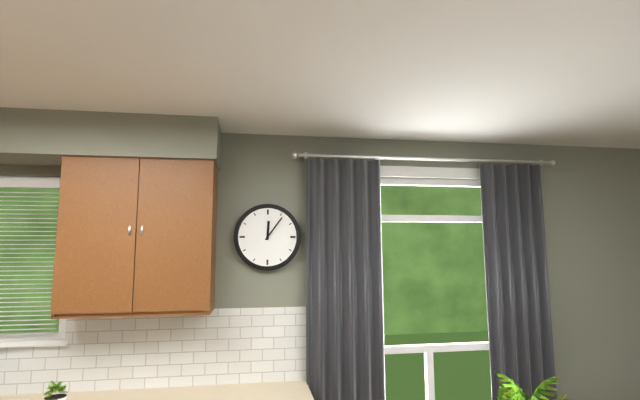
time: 12:06
